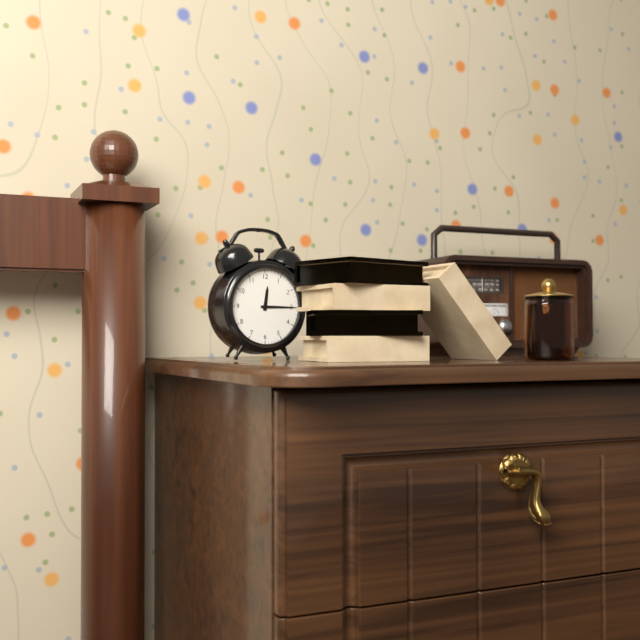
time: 12:15
